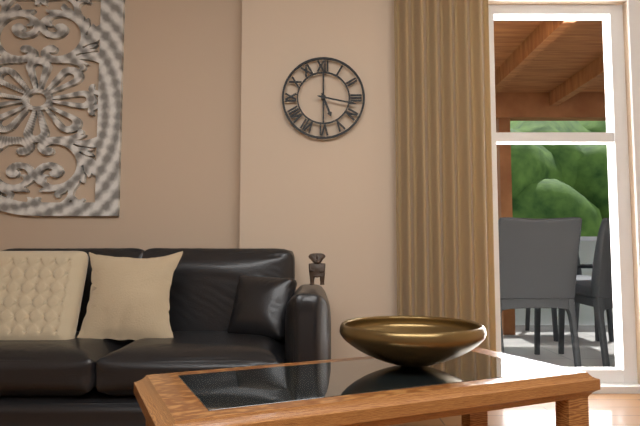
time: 5:17
